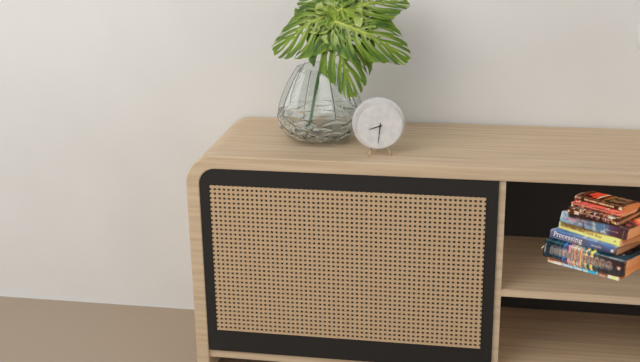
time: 8:31
